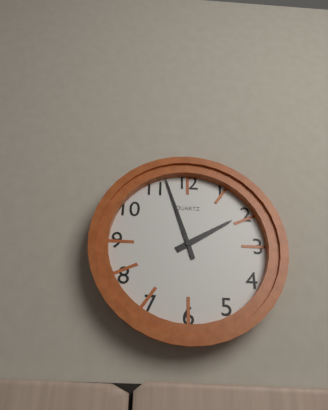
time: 1:57
